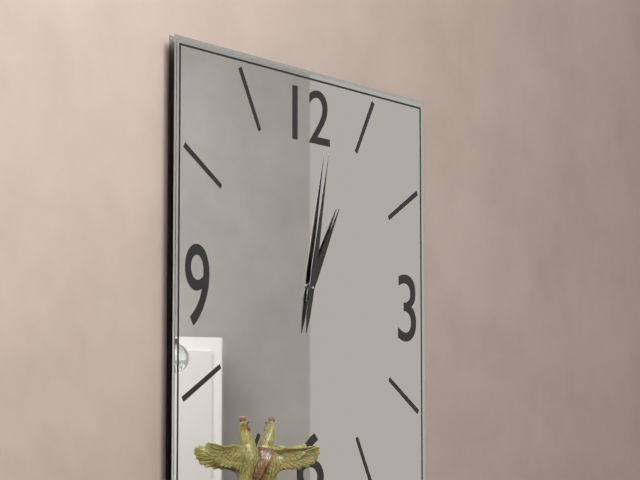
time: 1:02
